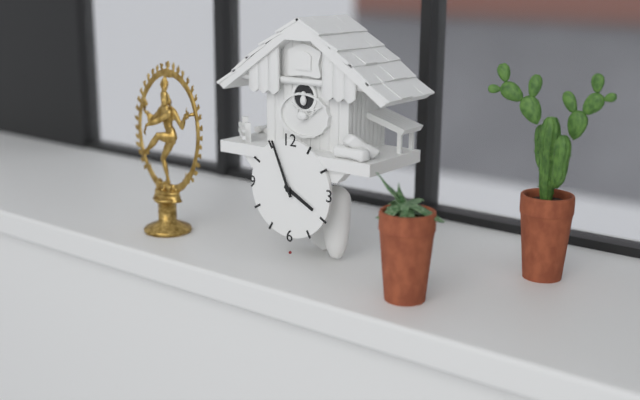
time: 3:56
